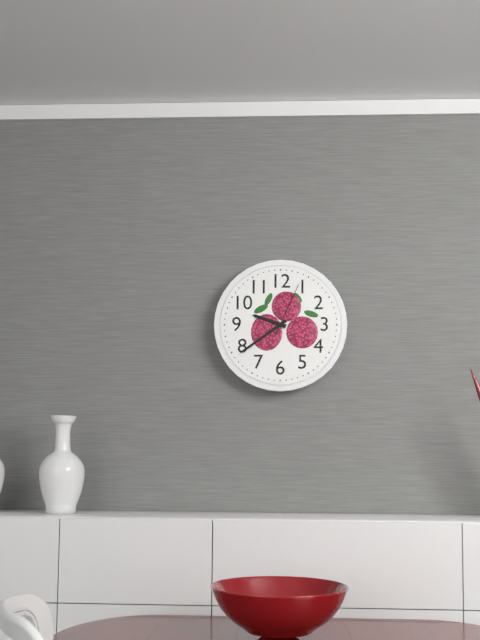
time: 9:39:04
